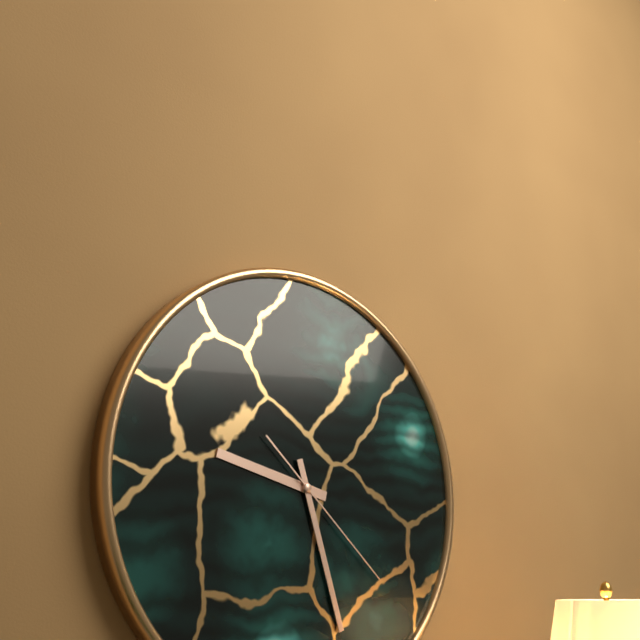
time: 9:27:22
